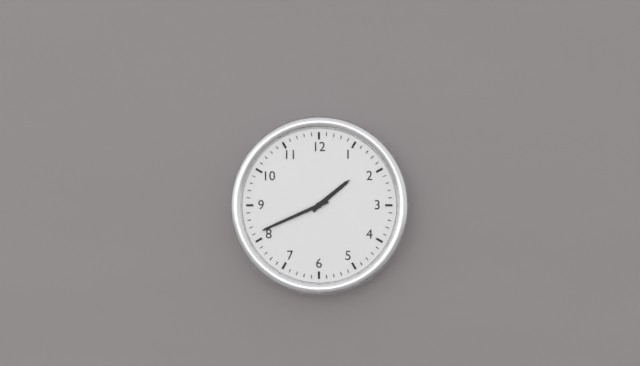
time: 1:41
